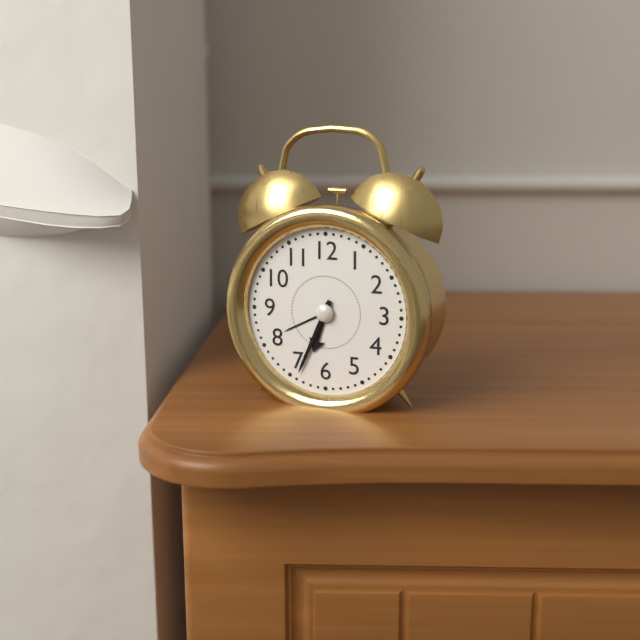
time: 6:34
